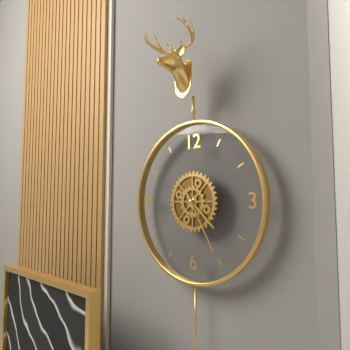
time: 4:25
